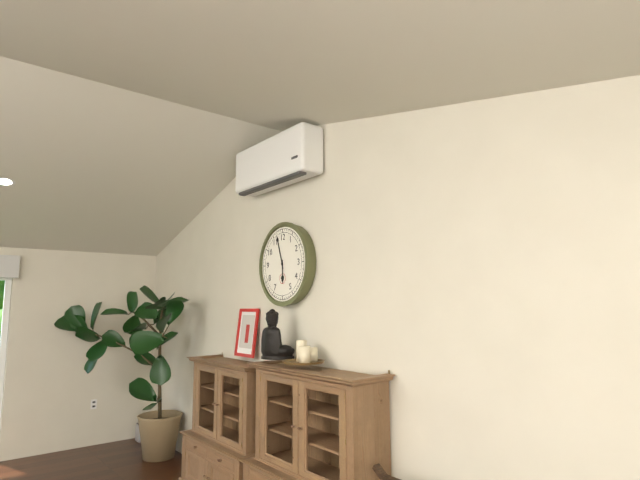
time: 5:57
